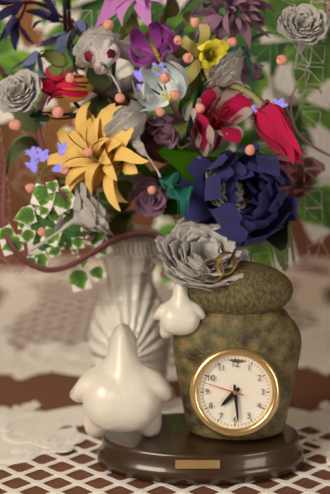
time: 7:29
